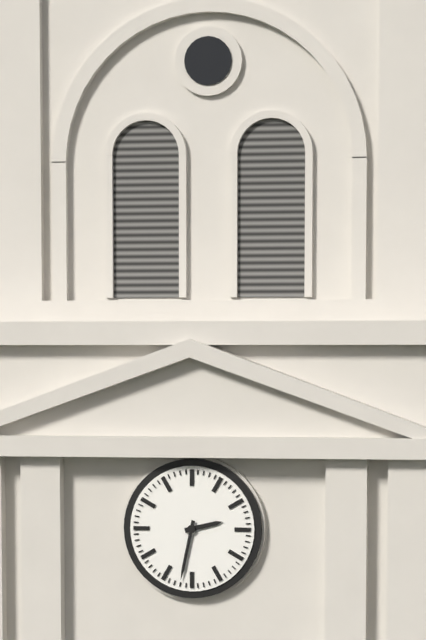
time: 2:32
